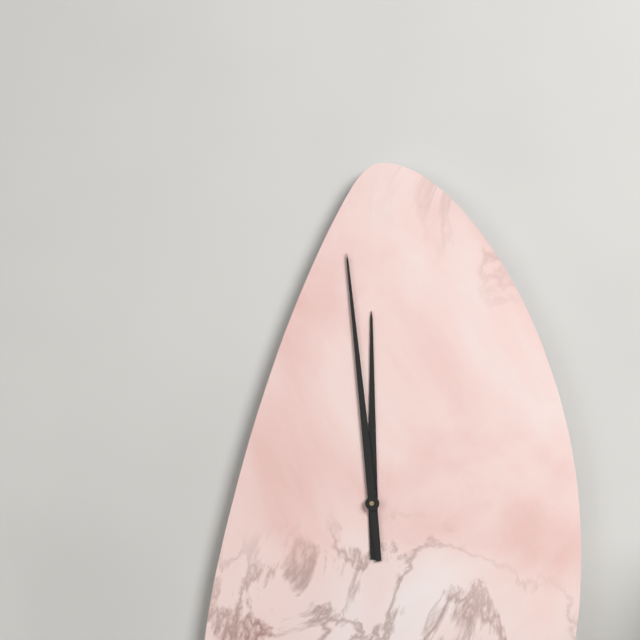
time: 11:59
